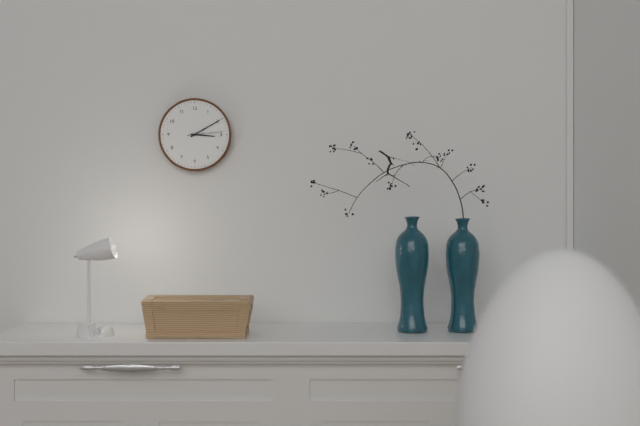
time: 3:10
